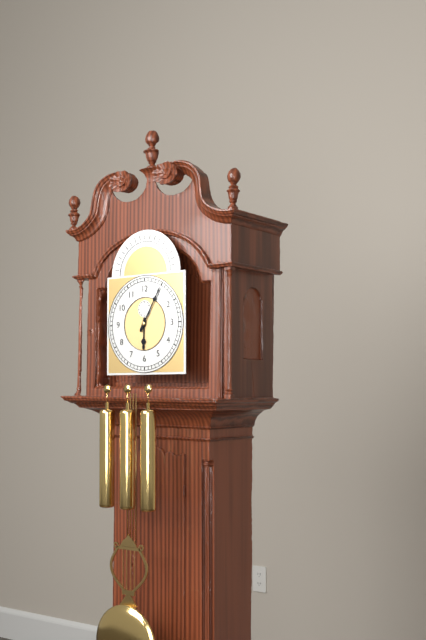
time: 6:05
